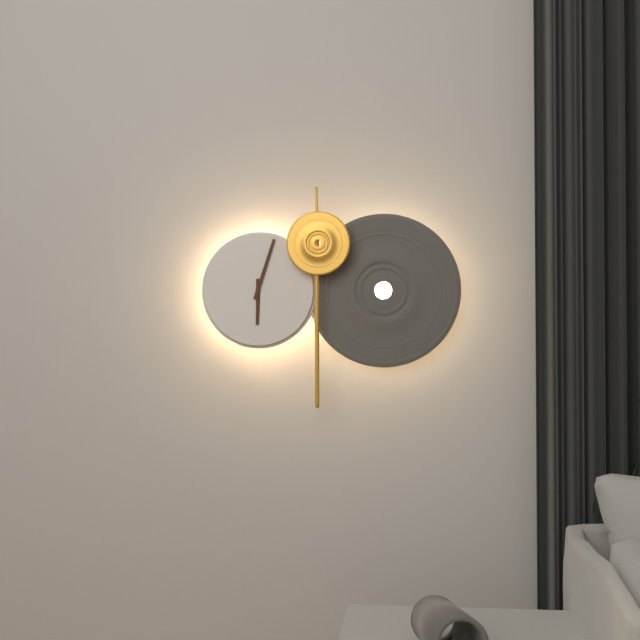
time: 6:03
